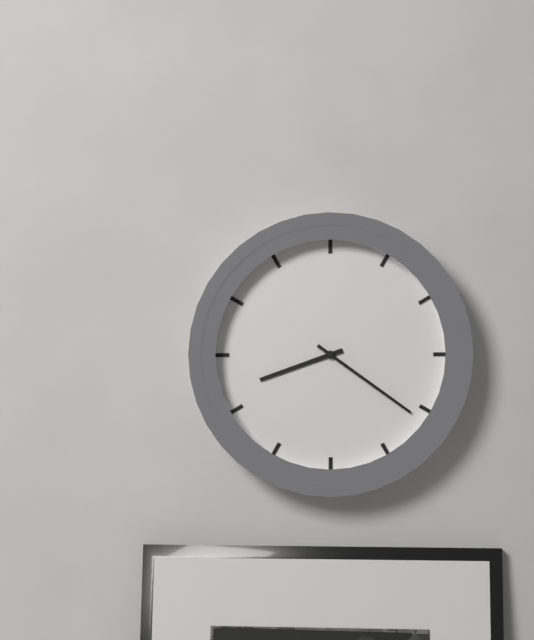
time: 8:21
